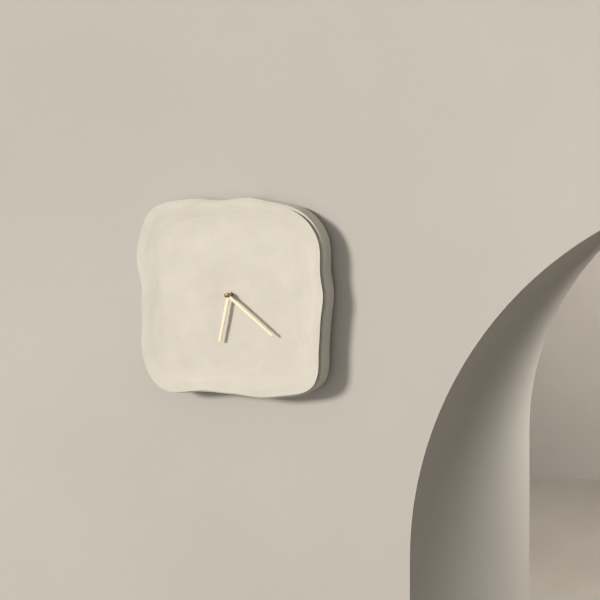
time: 6:22
